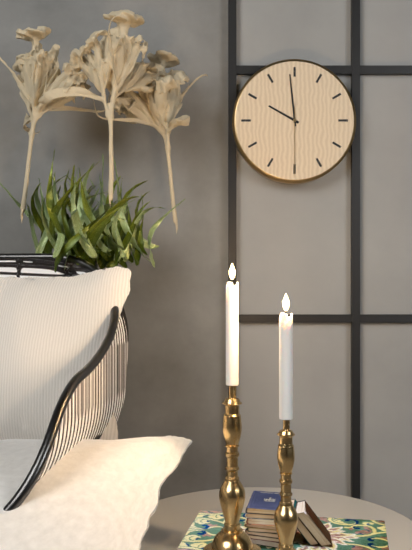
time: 9:59:30
